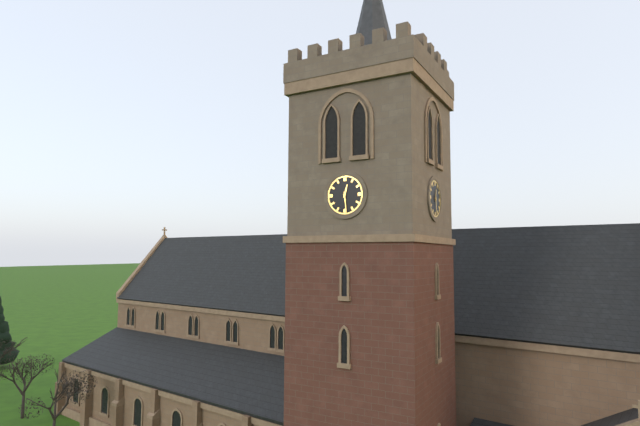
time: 12:29
